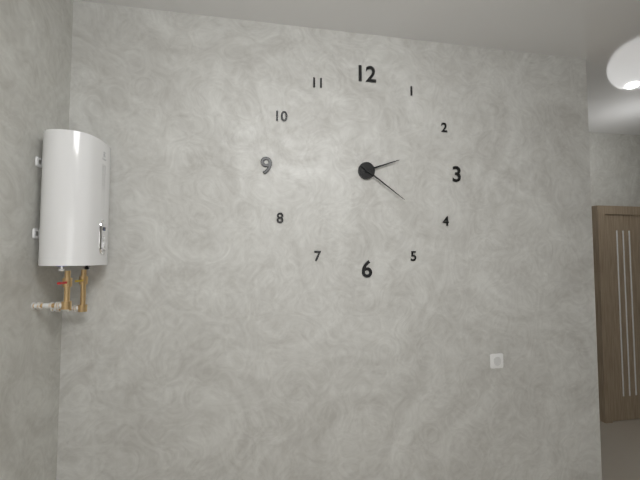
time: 2:21
